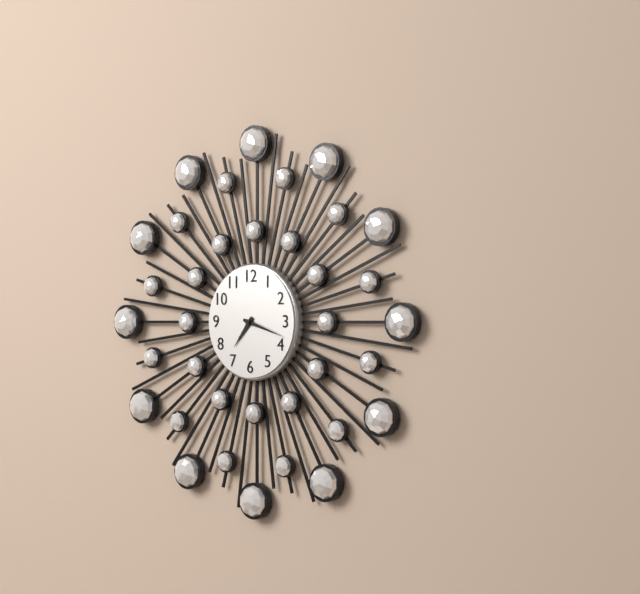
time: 7:18
